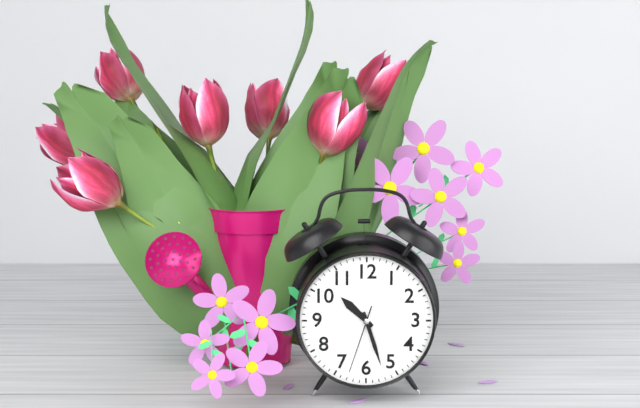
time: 10:27:33
